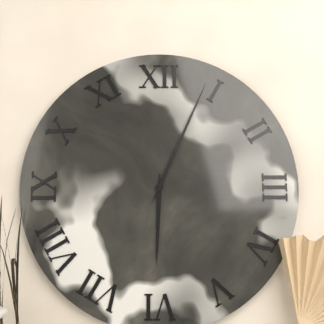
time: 6:04
